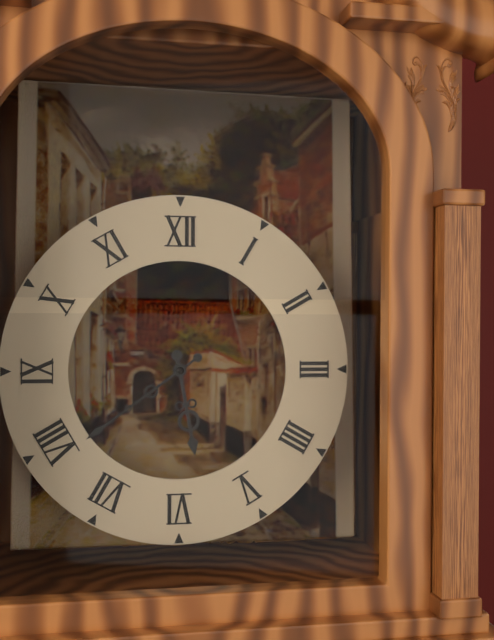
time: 5:39
